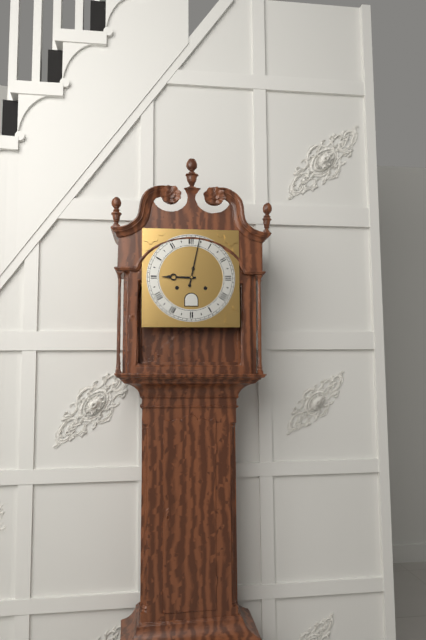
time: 9:02
